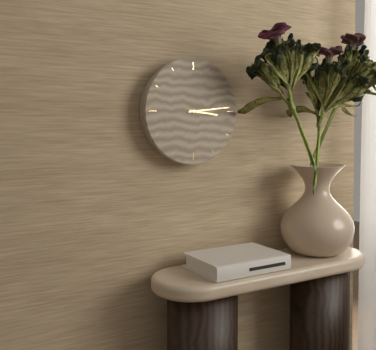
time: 3:14
